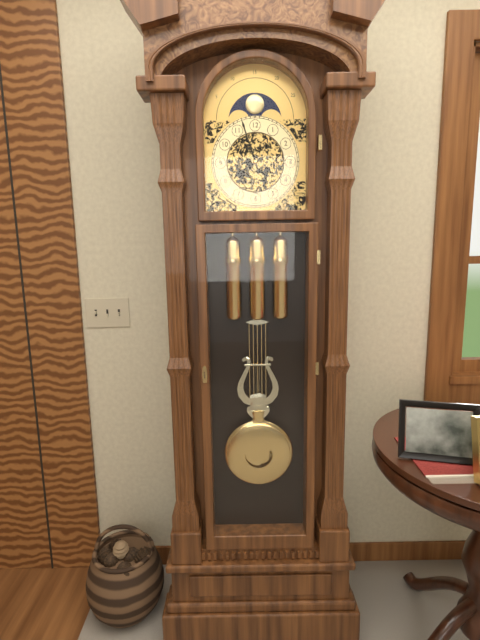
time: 7:57
